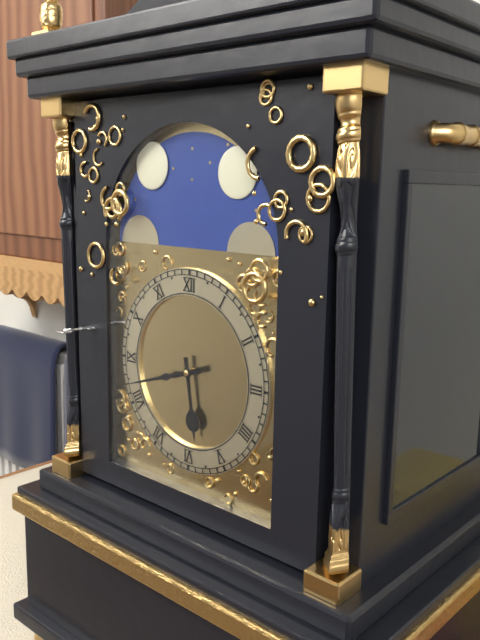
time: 5:42
